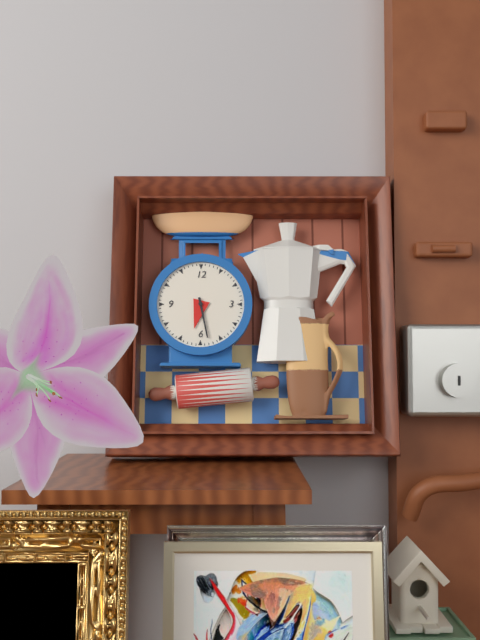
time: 6:28
